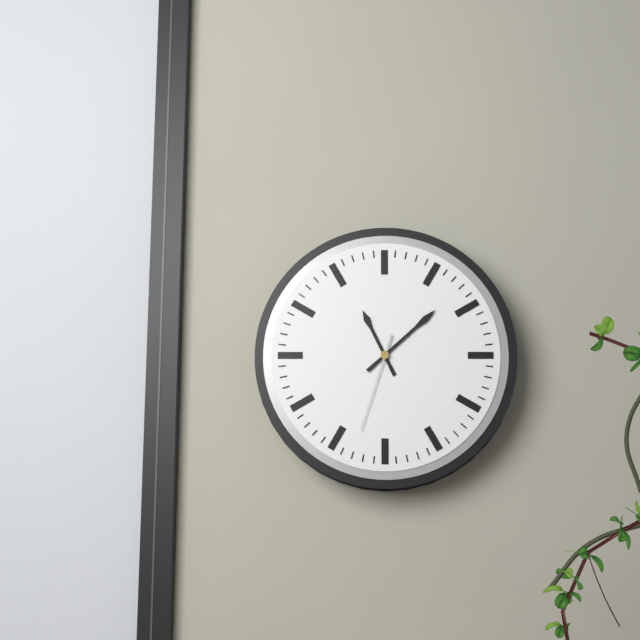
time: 11:08:33
